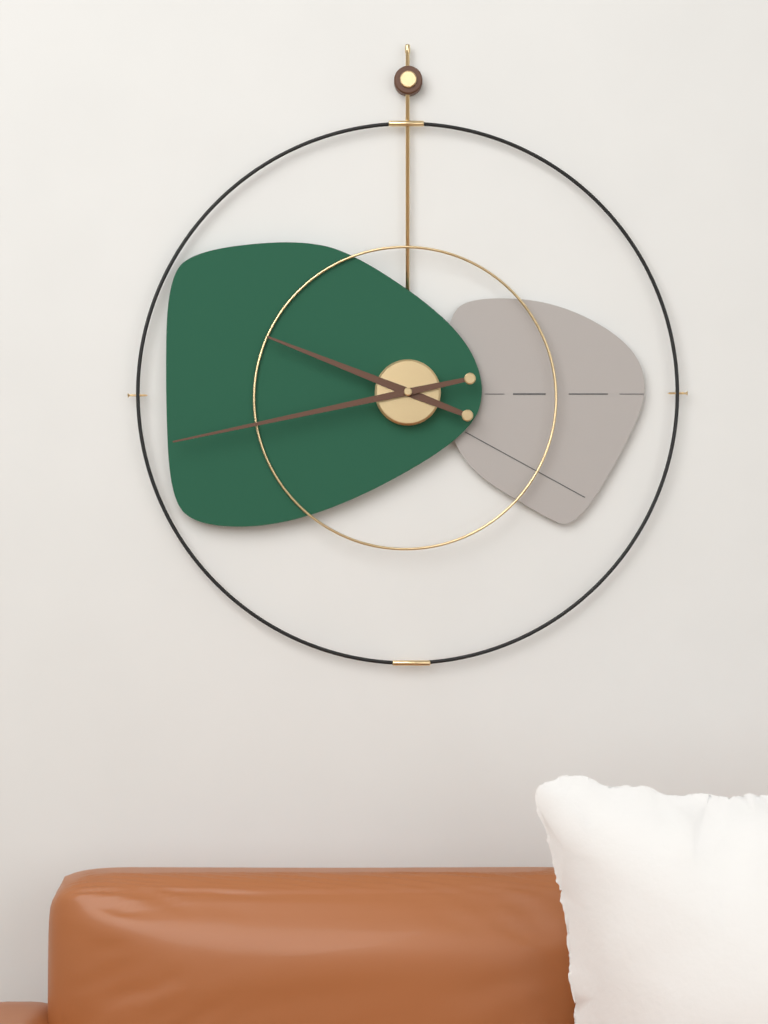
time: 9:43
